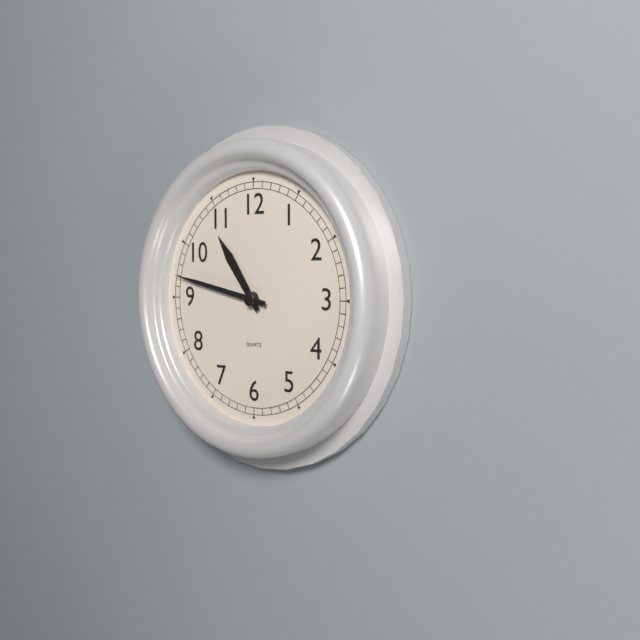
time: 10:47
